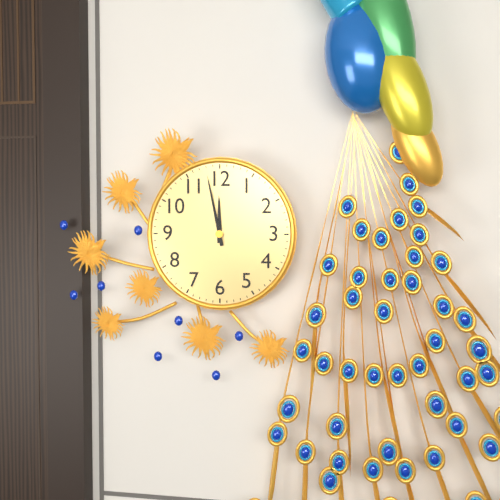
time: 11:58
